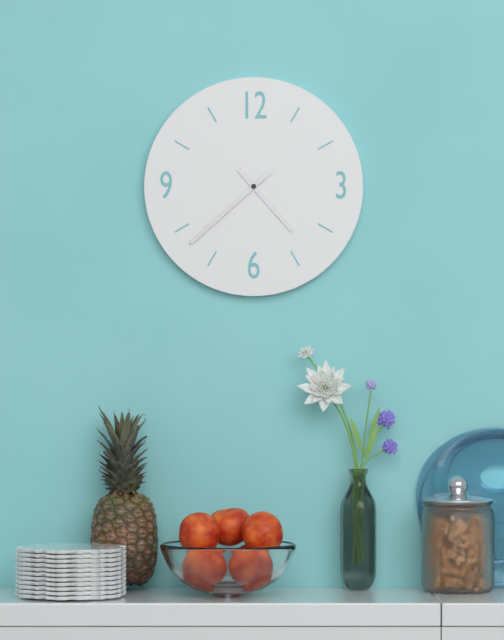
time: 4:38
